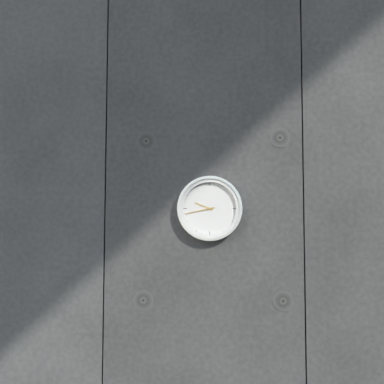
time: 9:43
